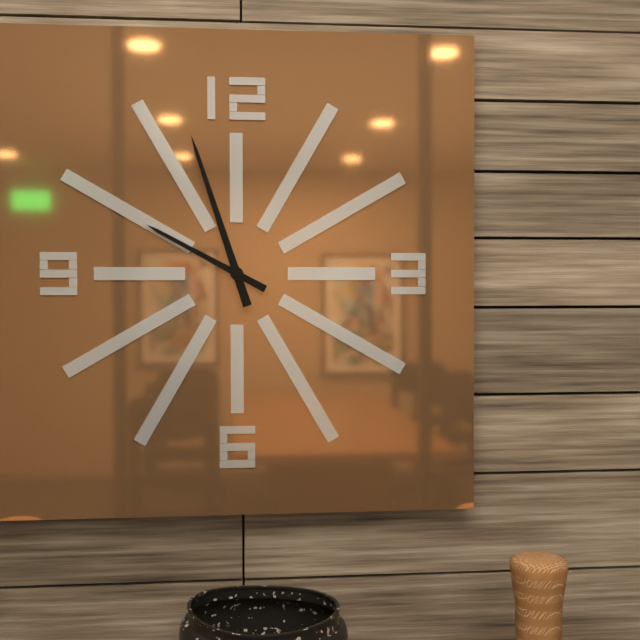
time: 9:57
